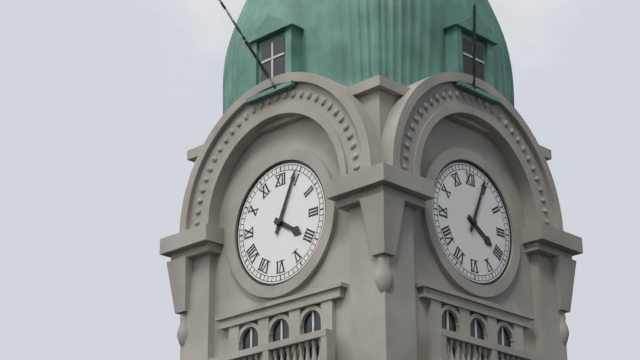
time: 4:04
